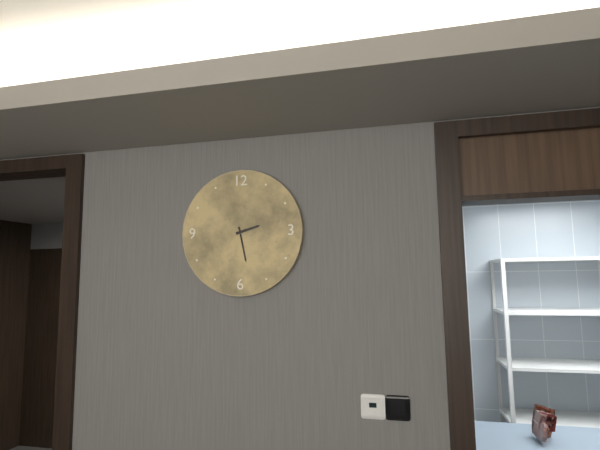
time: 2:28
